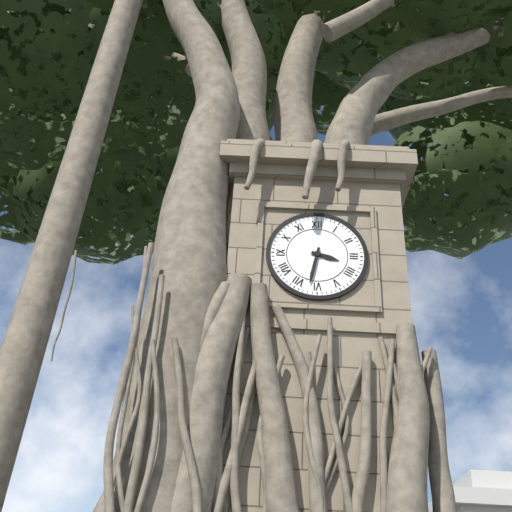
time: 3:32
